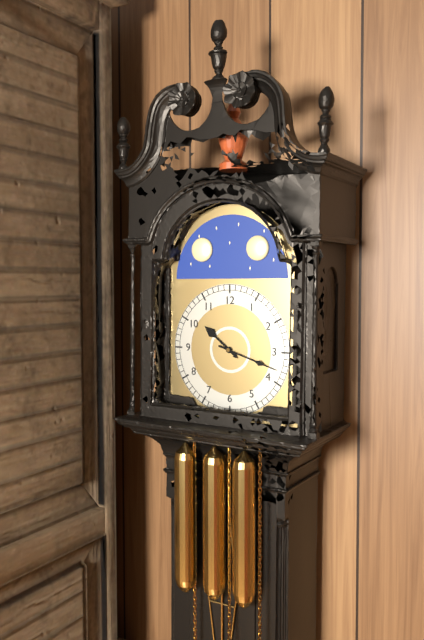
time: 10:18
